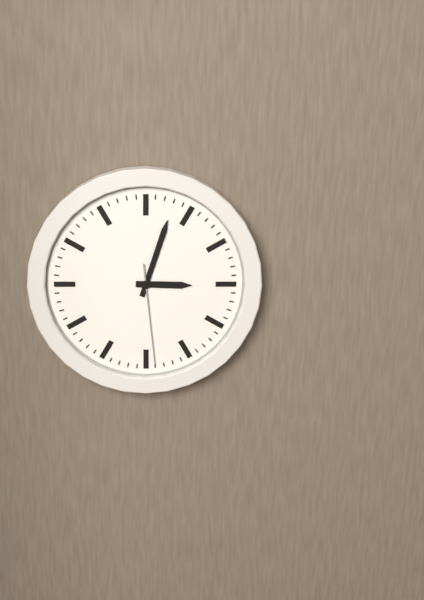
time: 3:03:29
